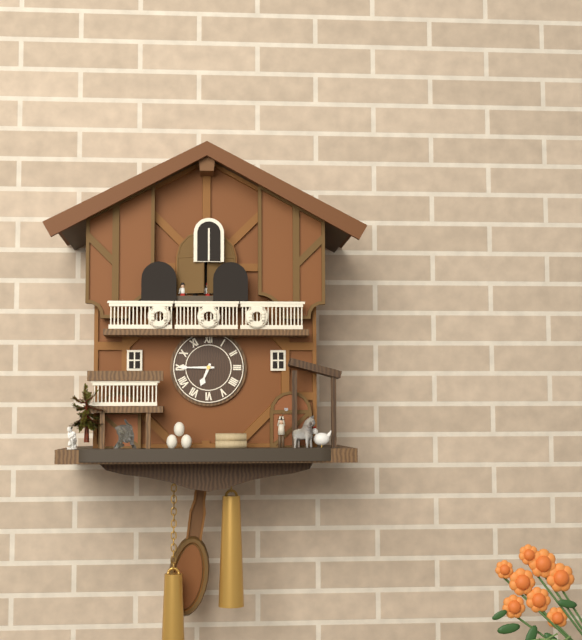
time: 6:45
